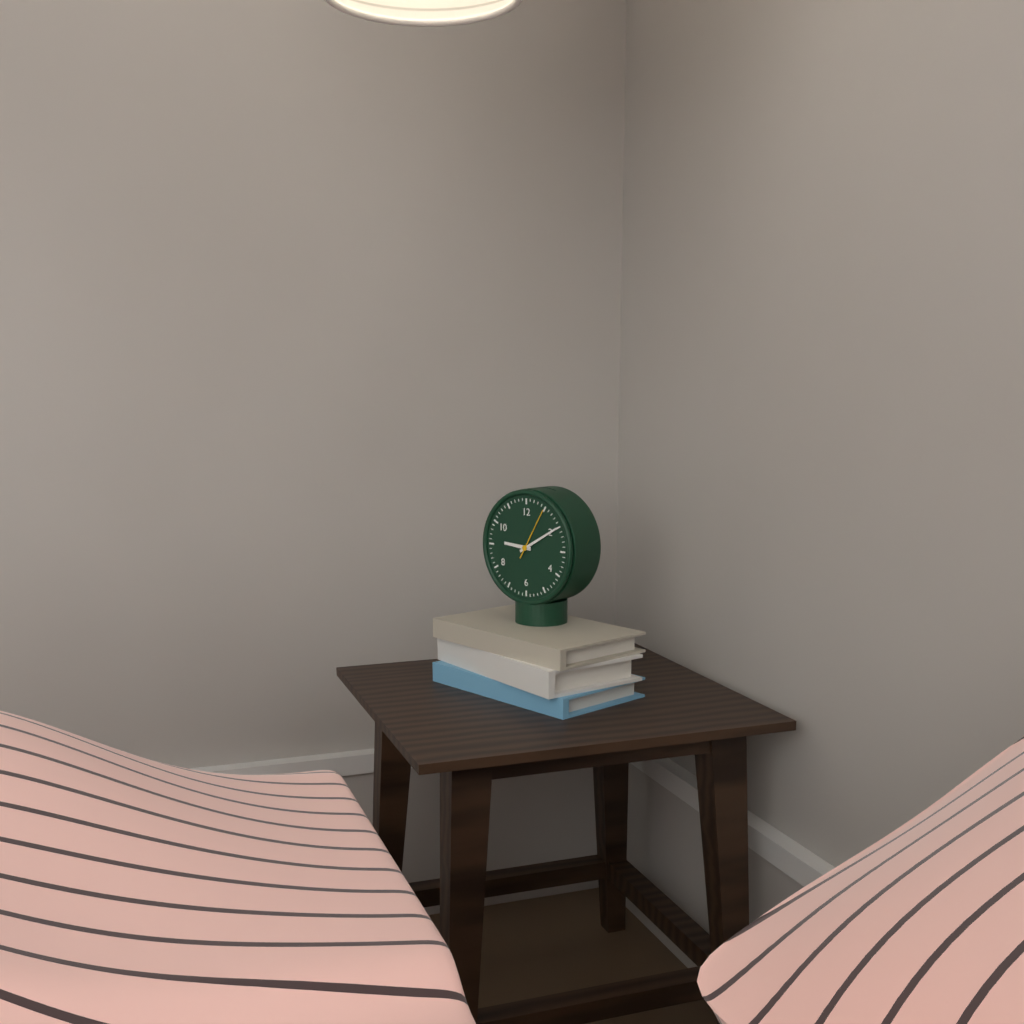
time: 9:10:05
